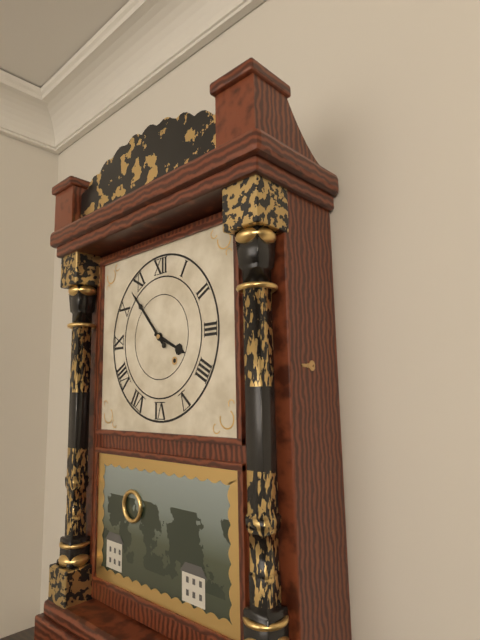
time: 3:53
